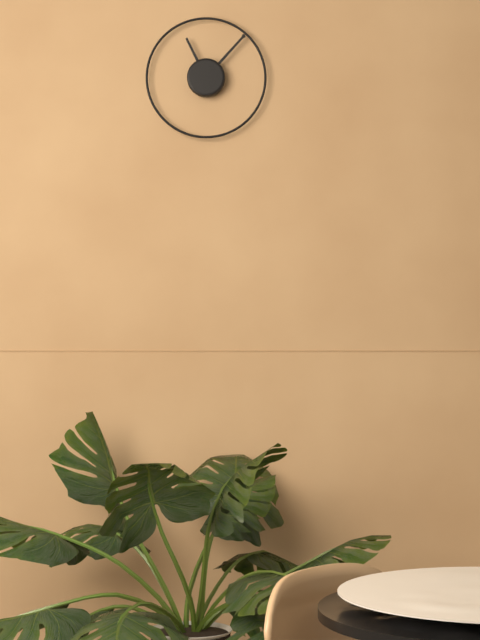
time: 11:07
